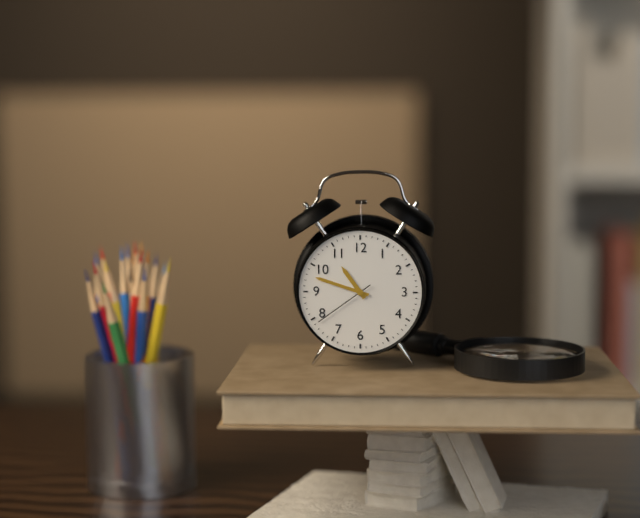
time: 10:48:39
